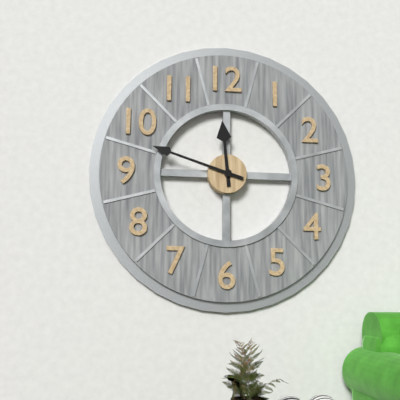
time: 11:48
